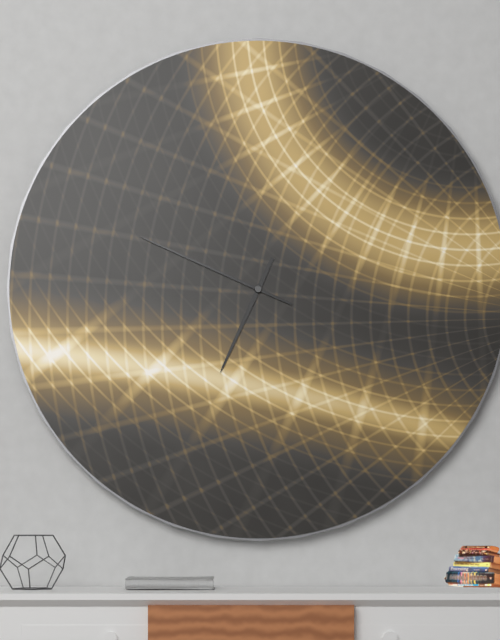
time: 6:49
